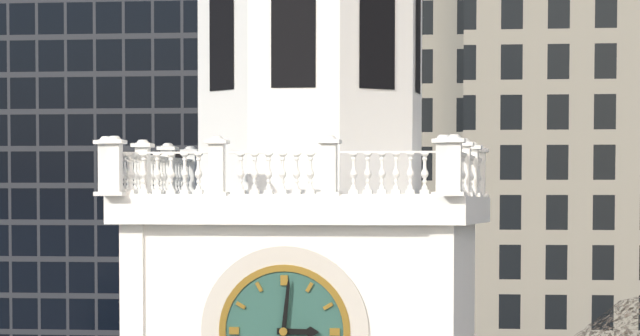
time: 3:01
